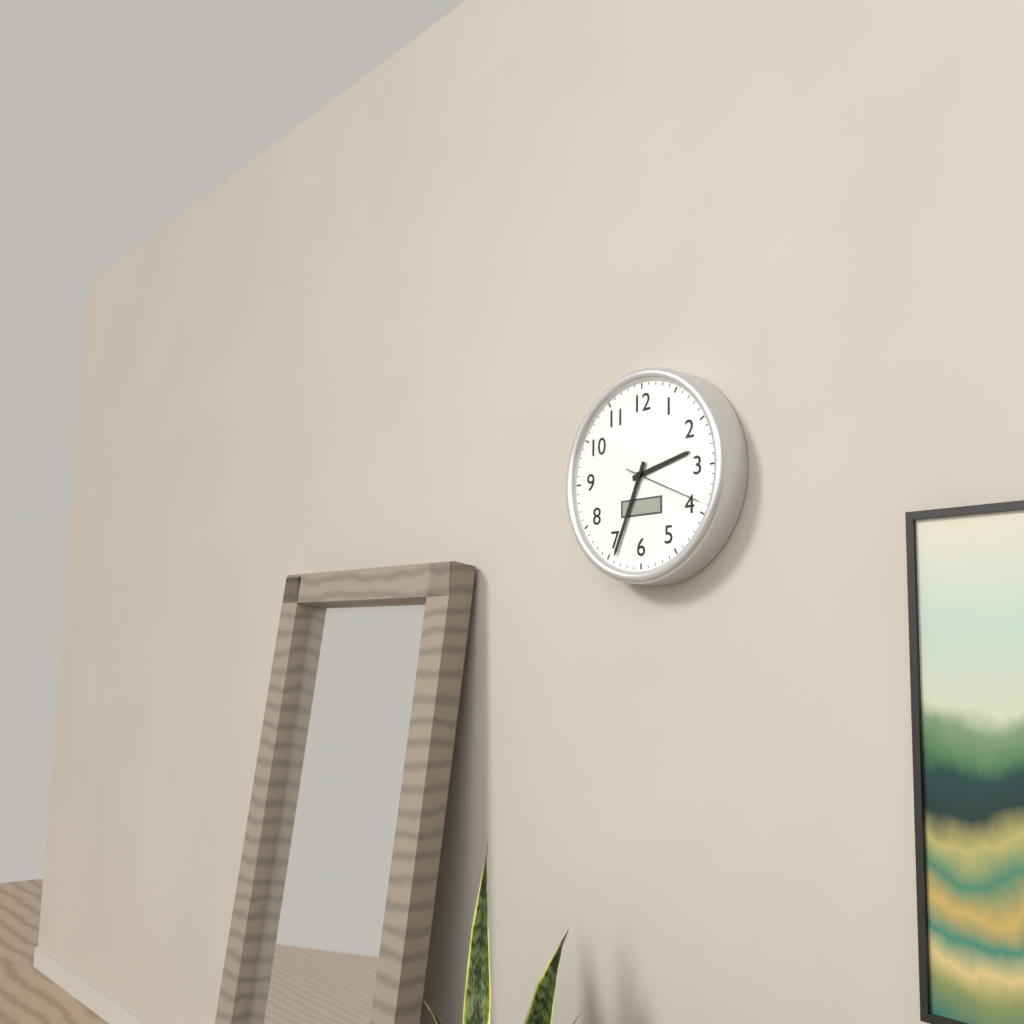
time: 2:34:19
